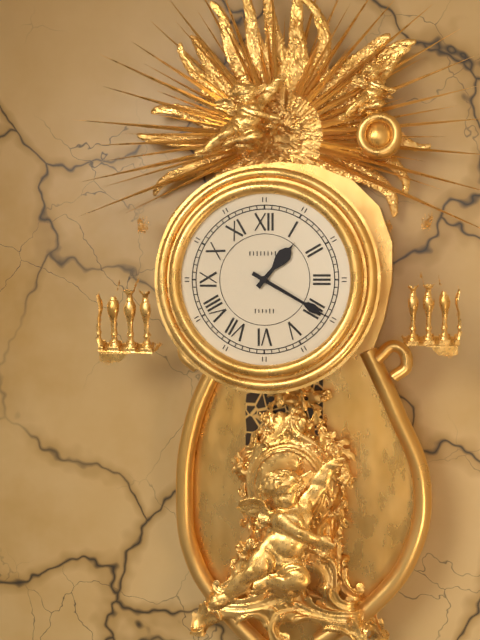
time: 1:20
